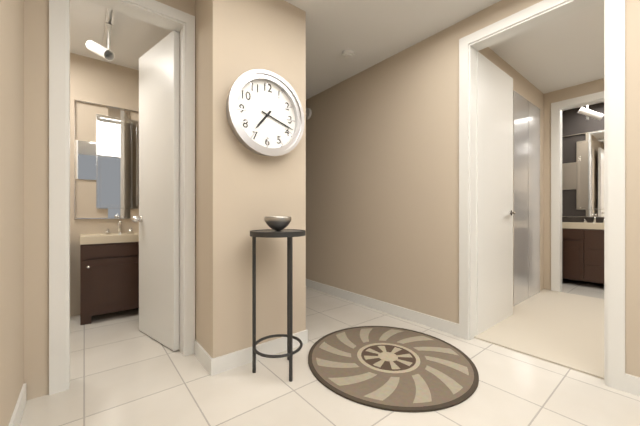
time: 7:18
